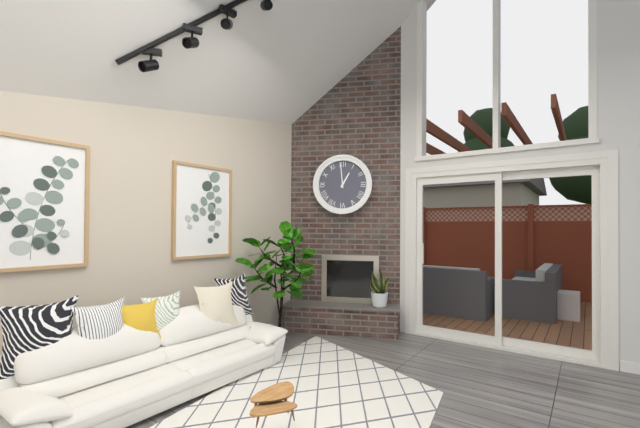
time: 12:59
